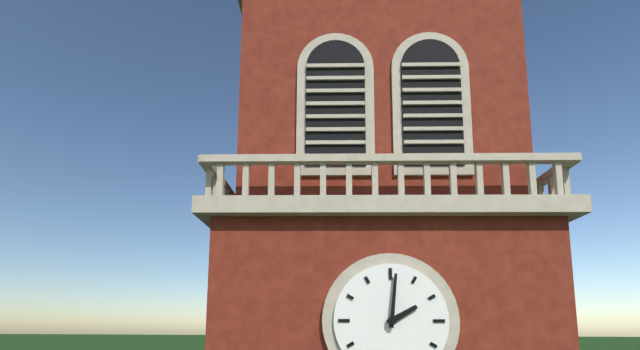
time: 2:01
